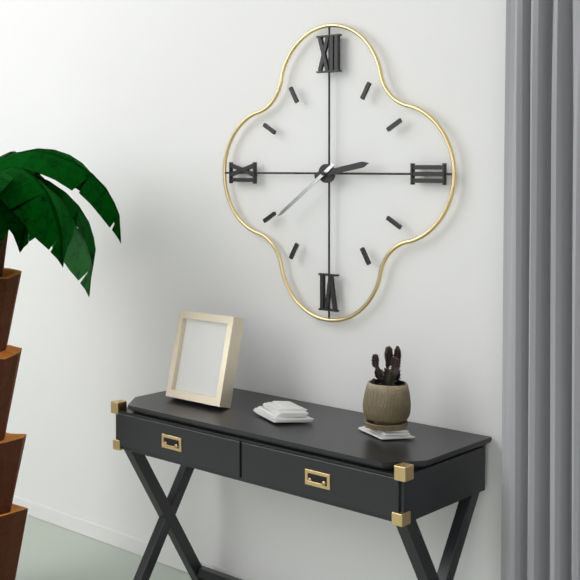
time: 2:39
